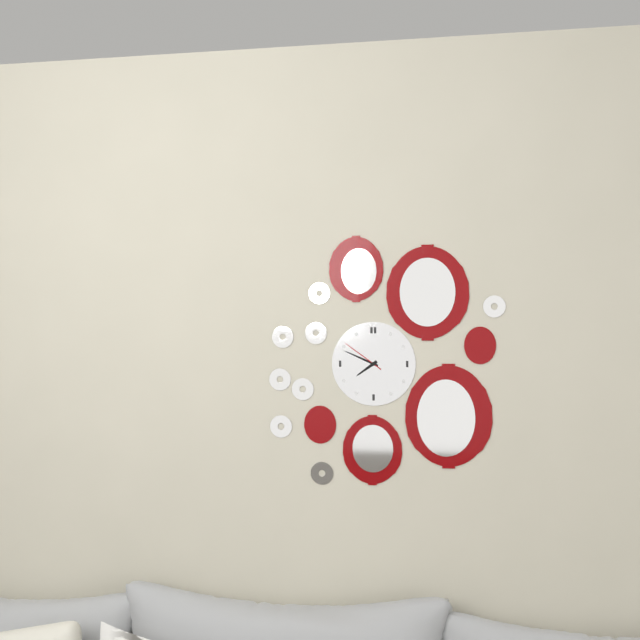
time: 7:49
